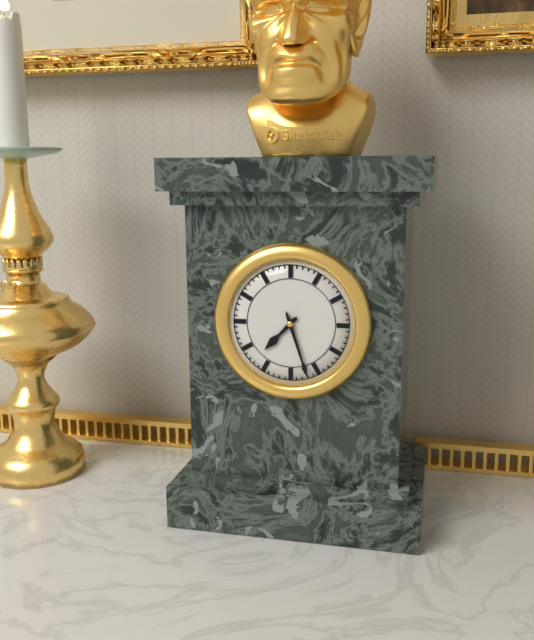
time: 7:27
